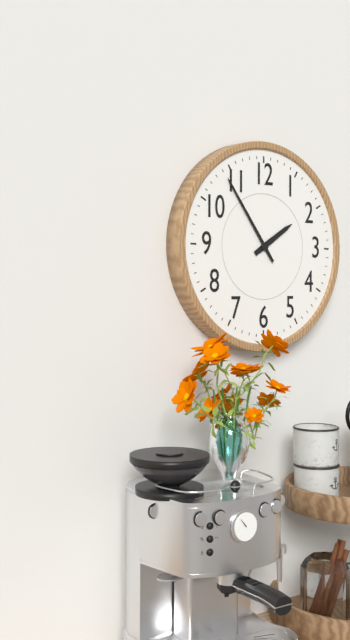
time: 1:54
